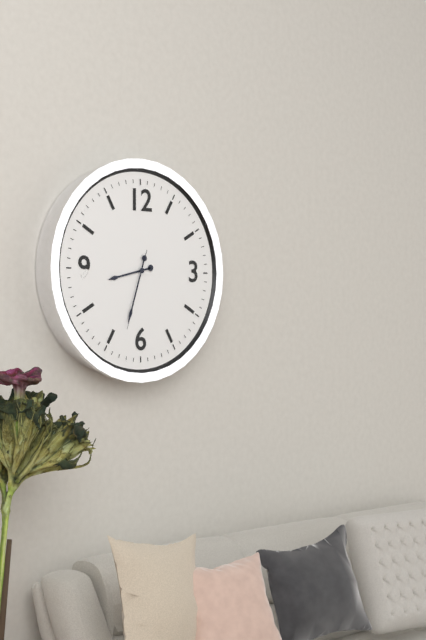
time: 8:33:33
